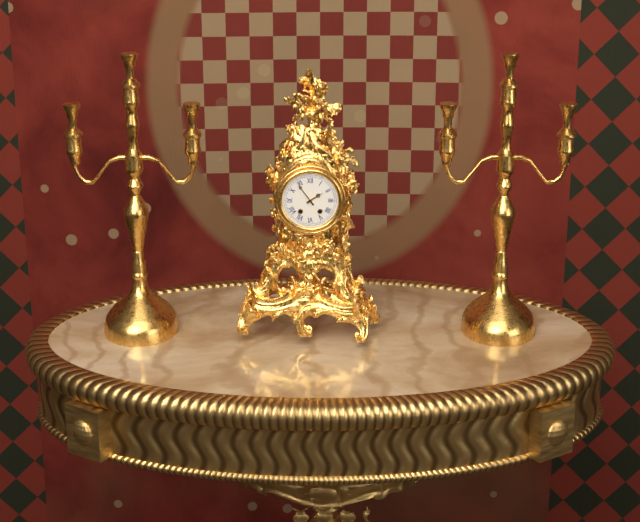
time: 1:54
